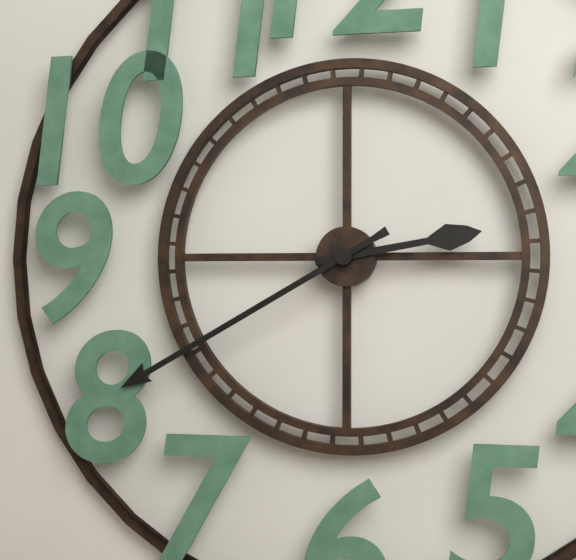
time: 2:40
